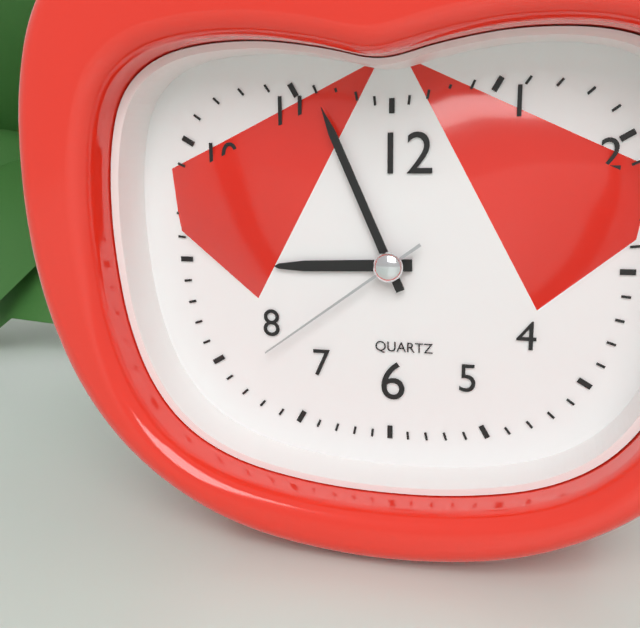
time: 8:56:39
